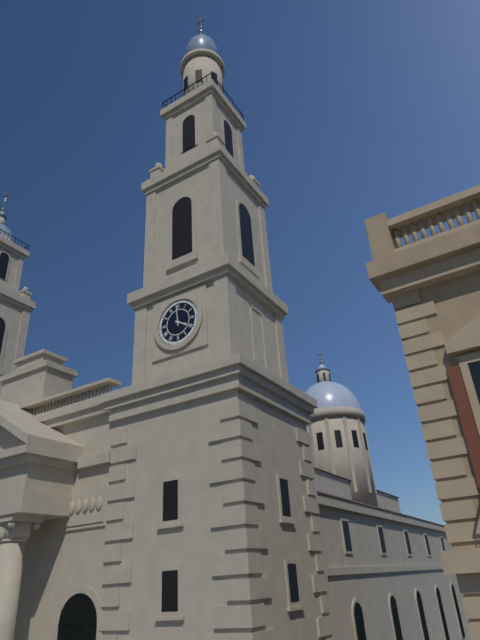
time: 3:59
